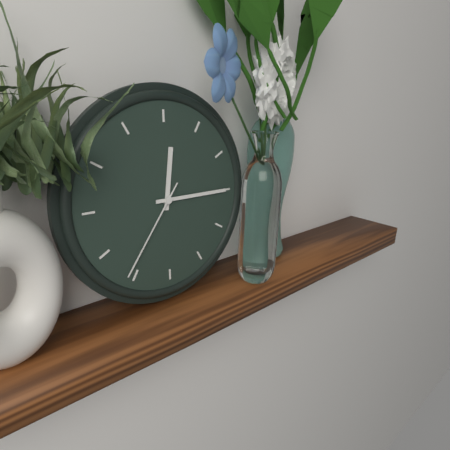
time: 12:15:36
